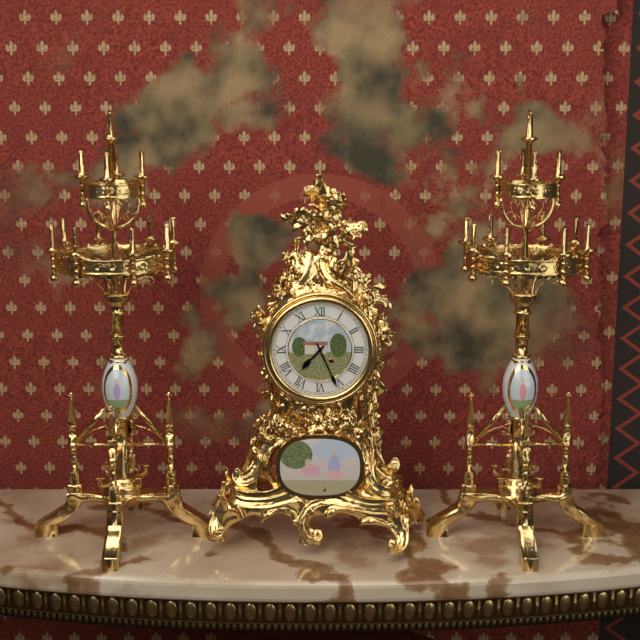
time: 7:26
